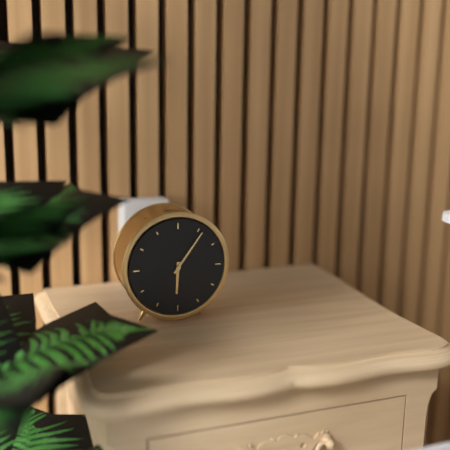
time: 6:06
